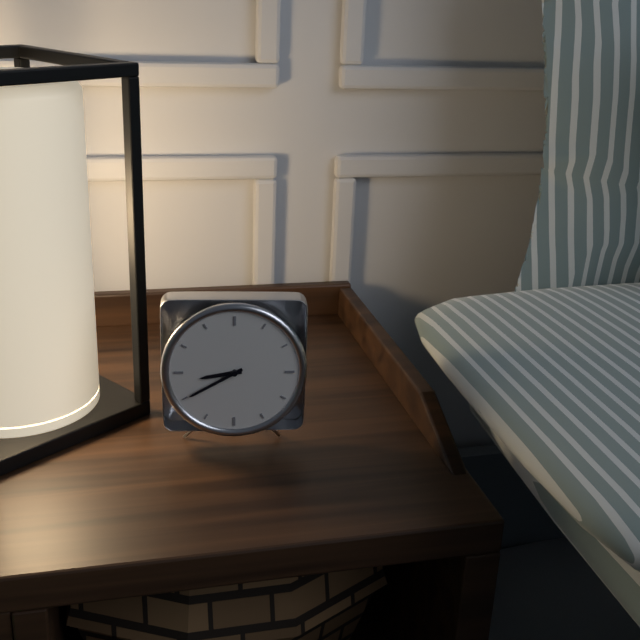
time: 8:40
